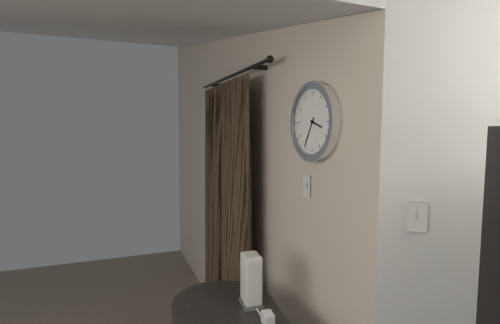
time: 3:35
